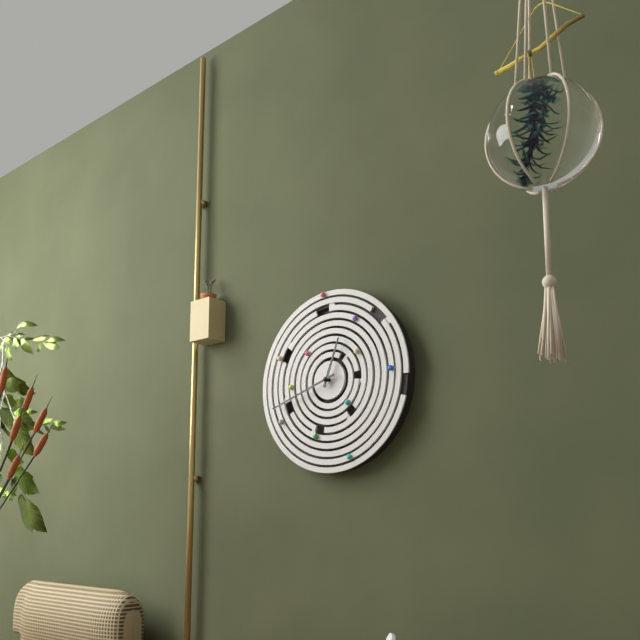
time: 12:42
